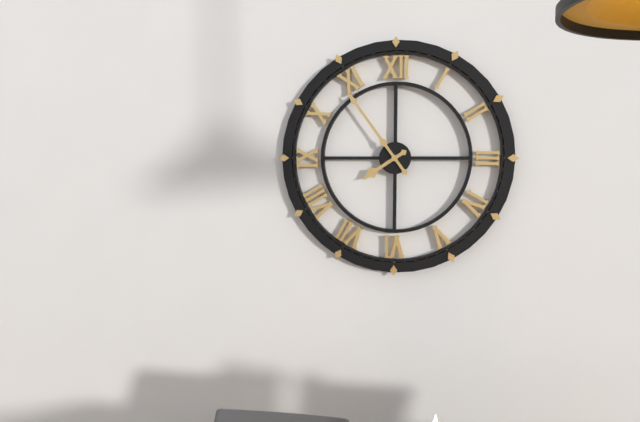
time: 7:54
